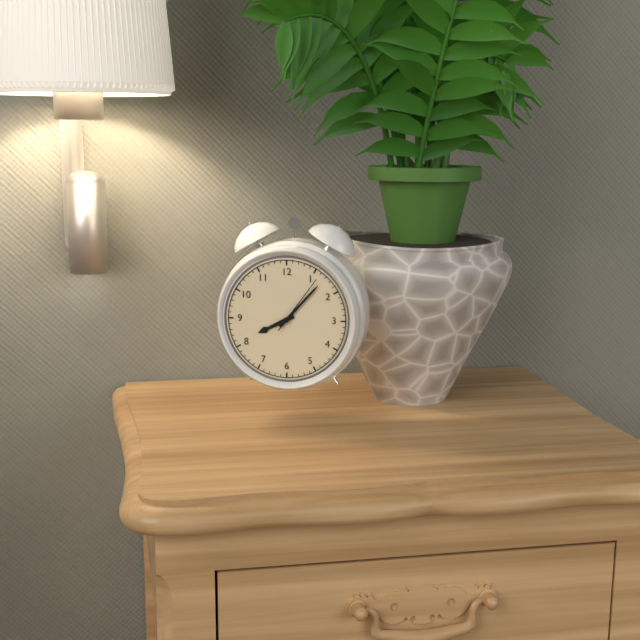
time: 8:07:06
